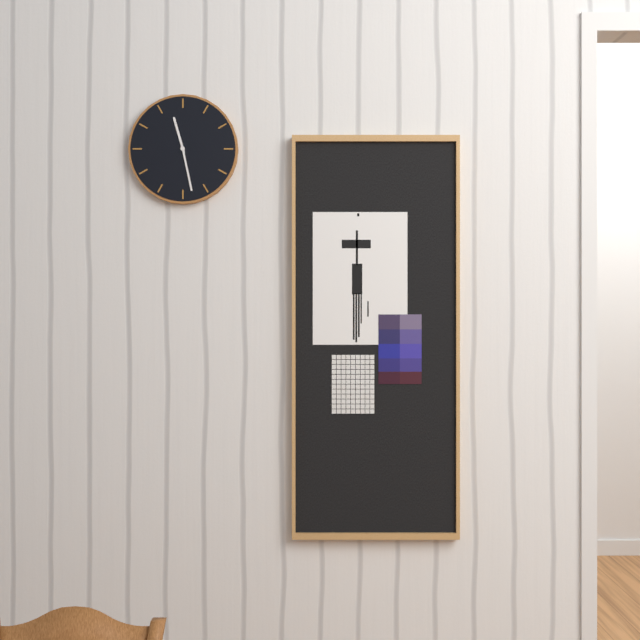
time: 11:28
